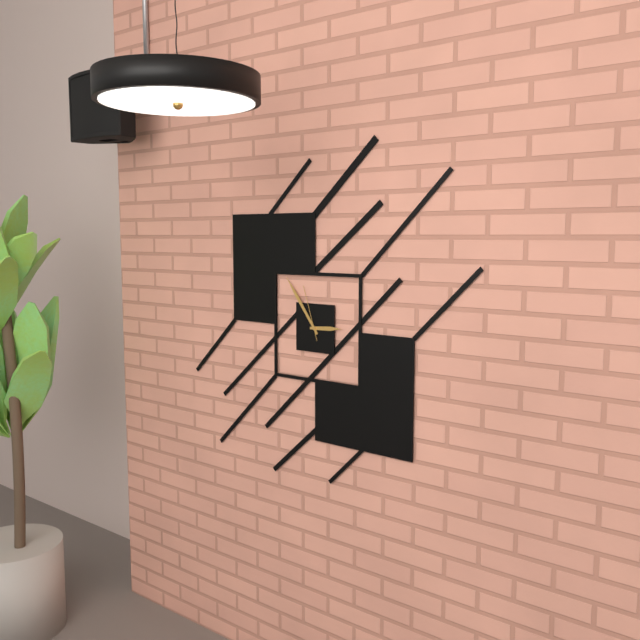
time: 2:54:57
